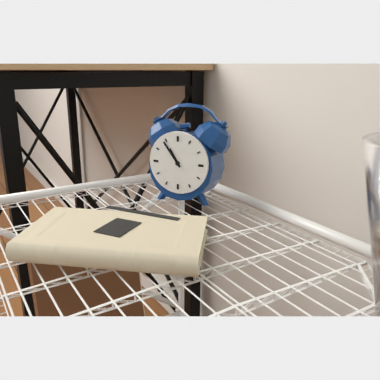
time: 10:54
